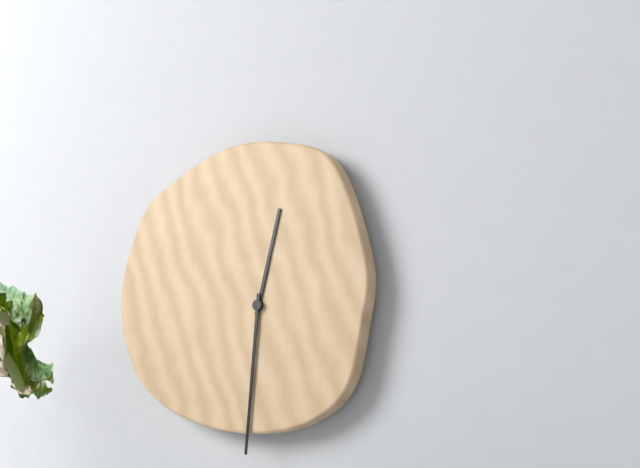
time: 12:31
